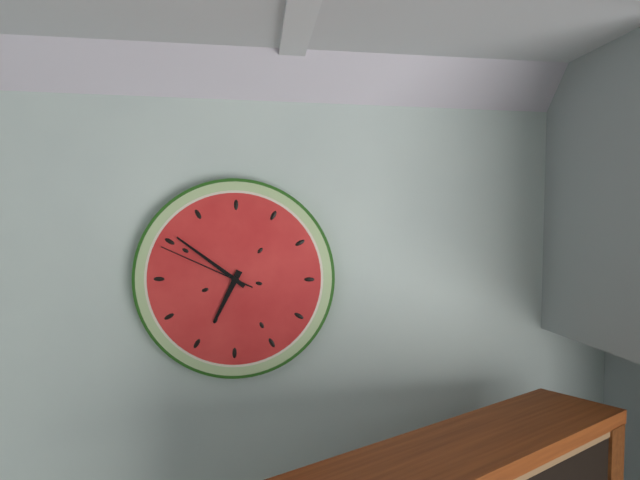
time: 6:51:49
